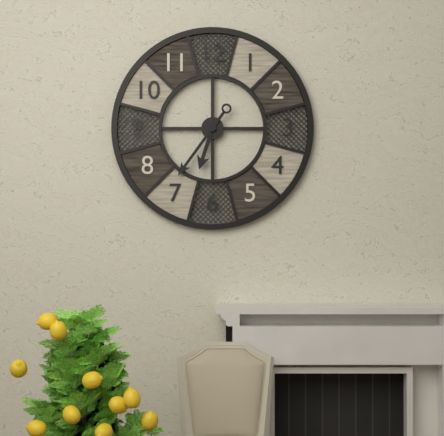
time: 6:36
